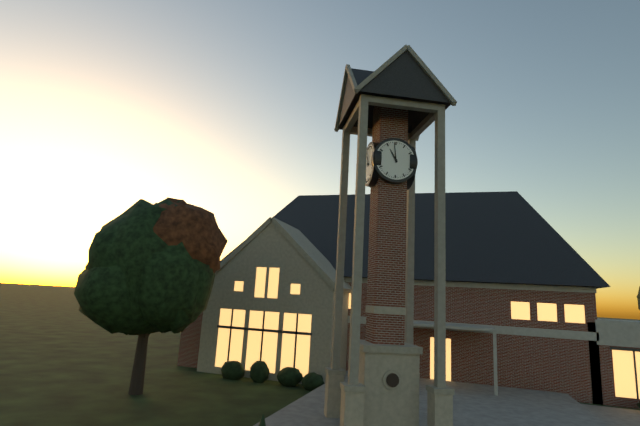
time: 10:59
